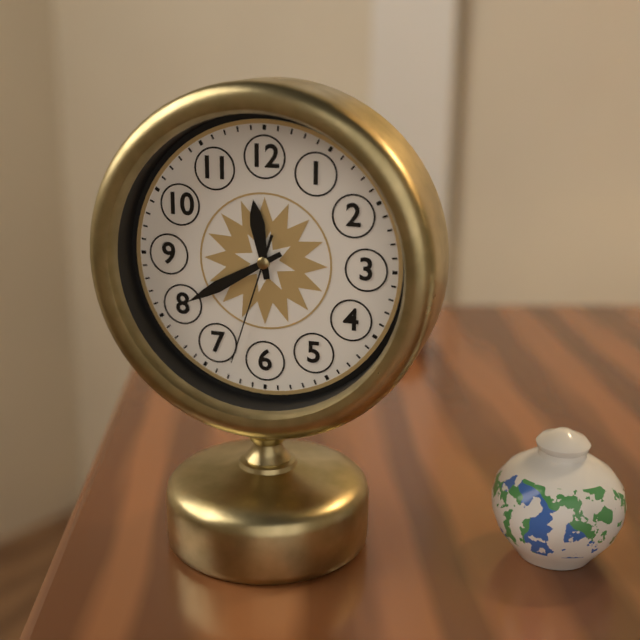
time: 11:40:33
